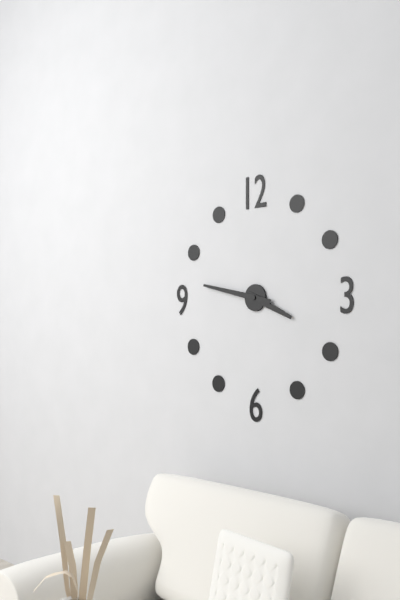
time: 3:47
